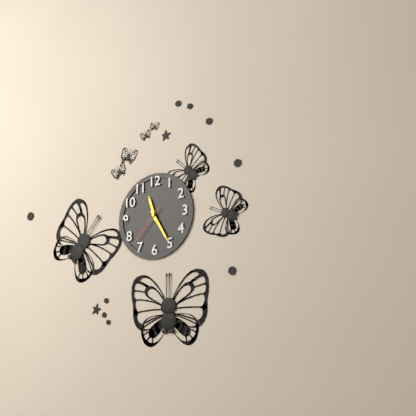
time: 11:25
